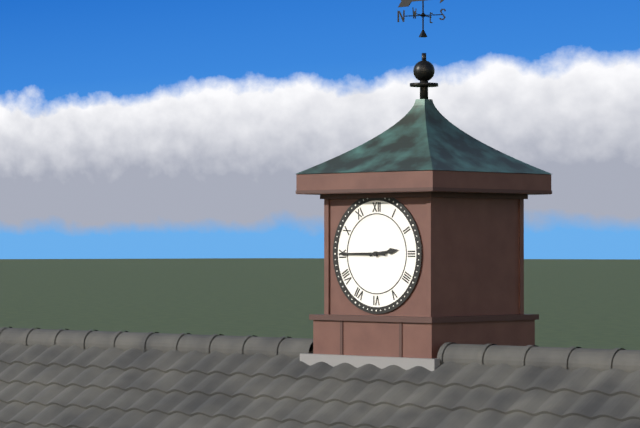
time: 2:45
